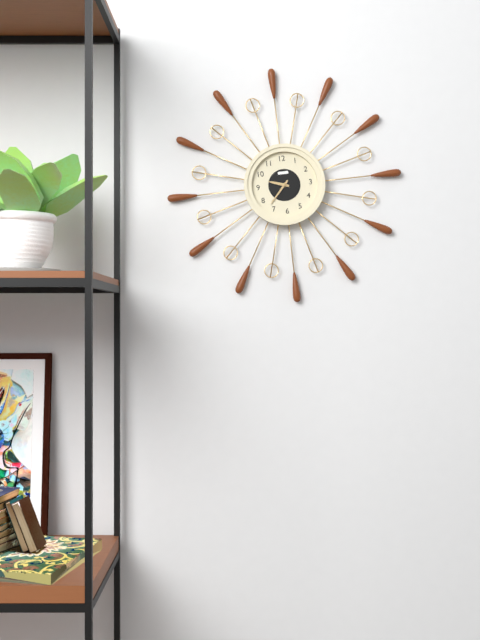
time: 9:37
